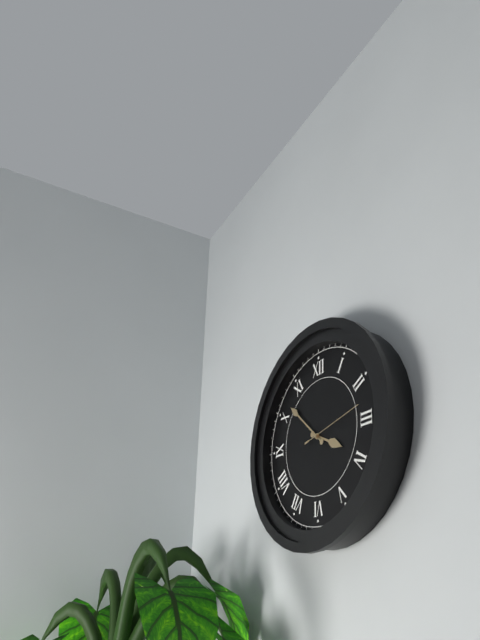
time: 3:52:13
